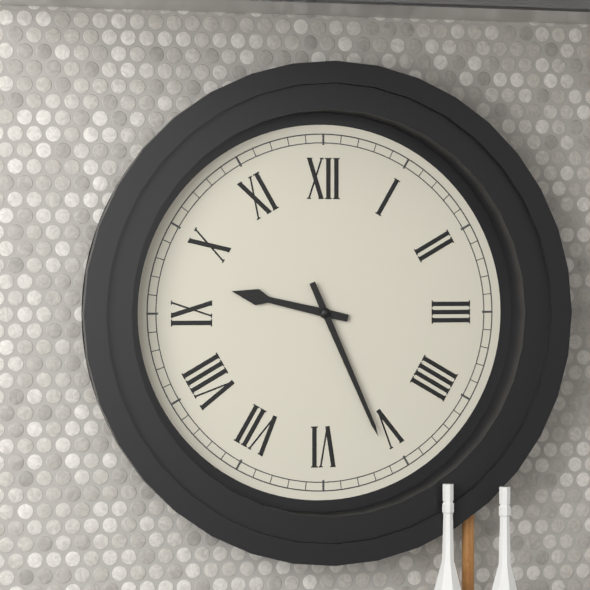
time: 9:26
